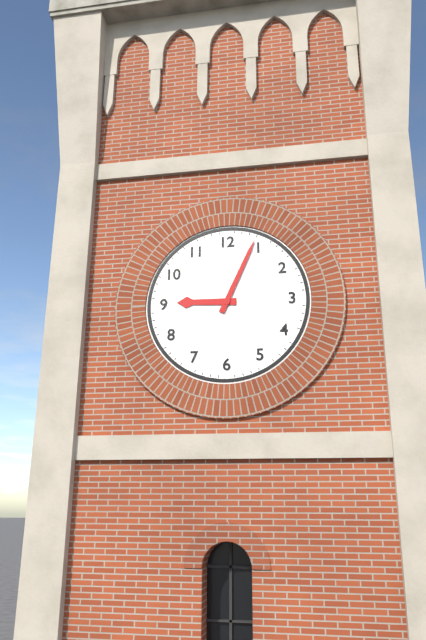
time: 9:04
